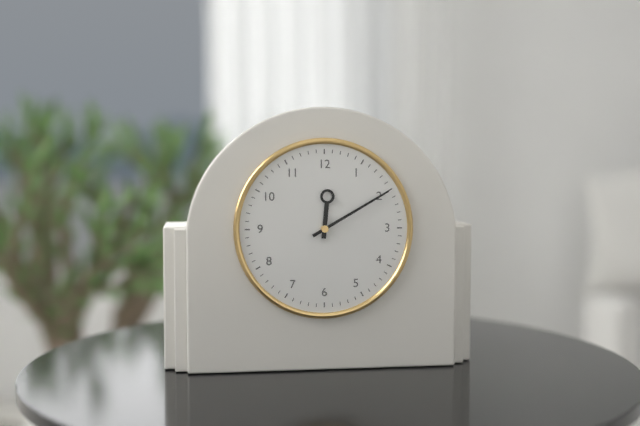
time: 12:10
